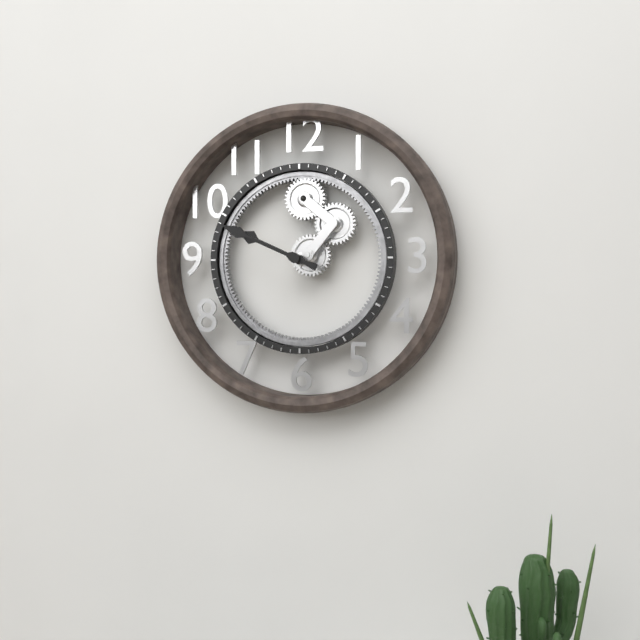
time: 9:49
